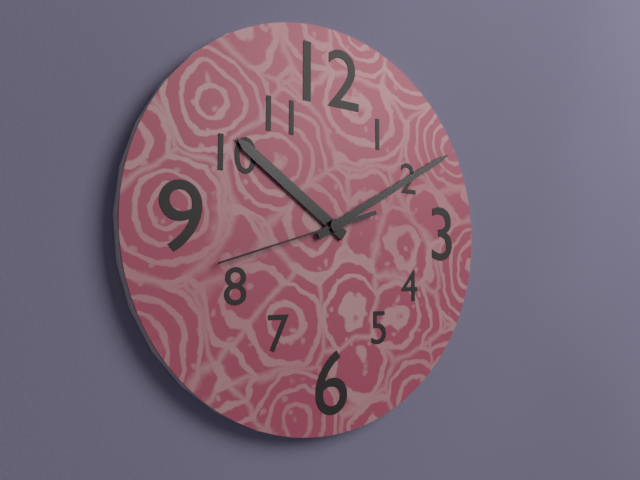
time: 10:10:42
